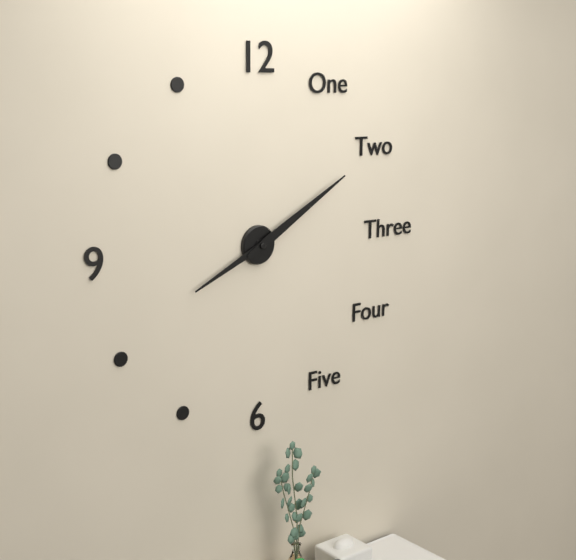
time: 8:10
